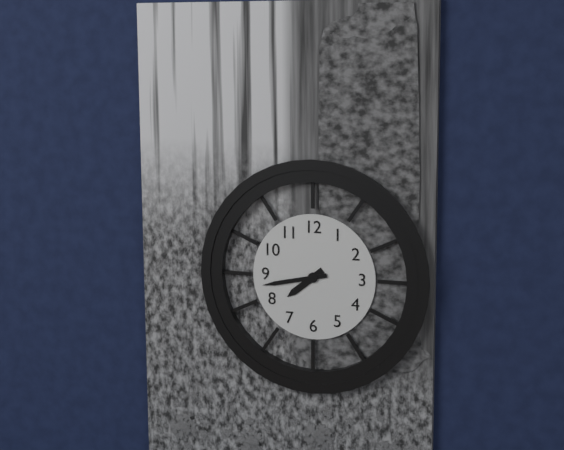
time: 7:43
